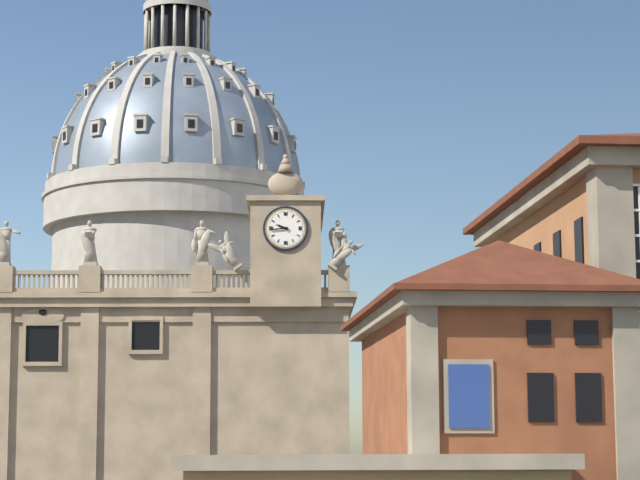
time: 9:44
